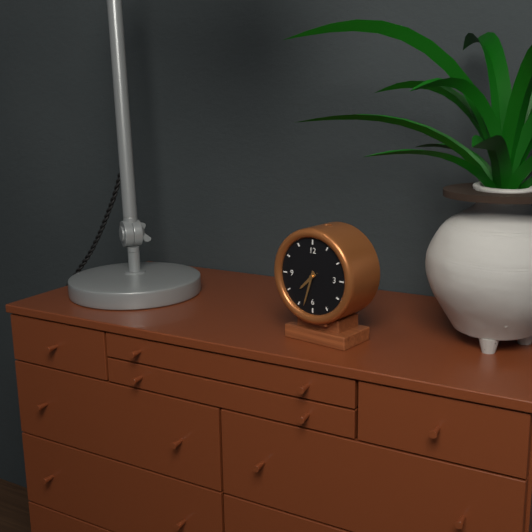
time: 7:33
